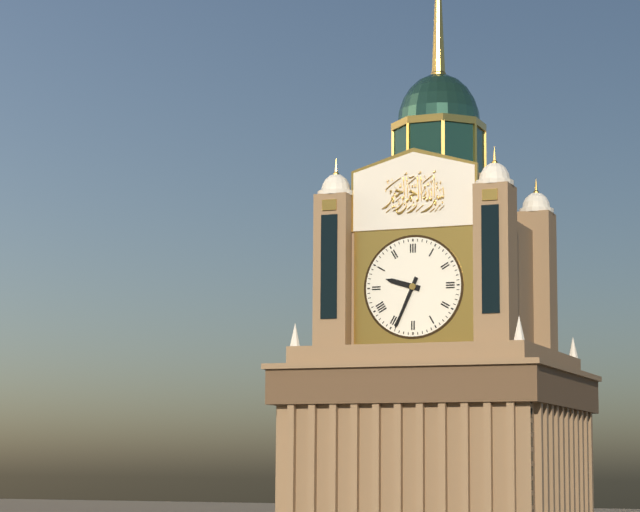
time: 9:34
